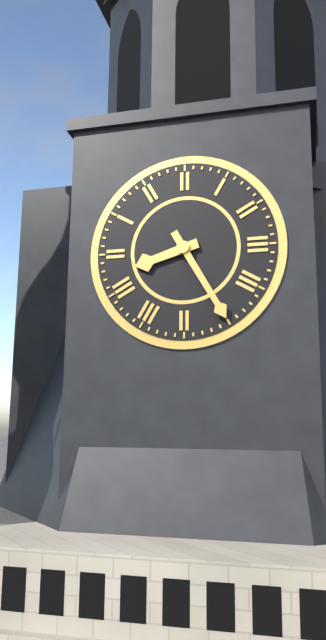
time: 8:25
